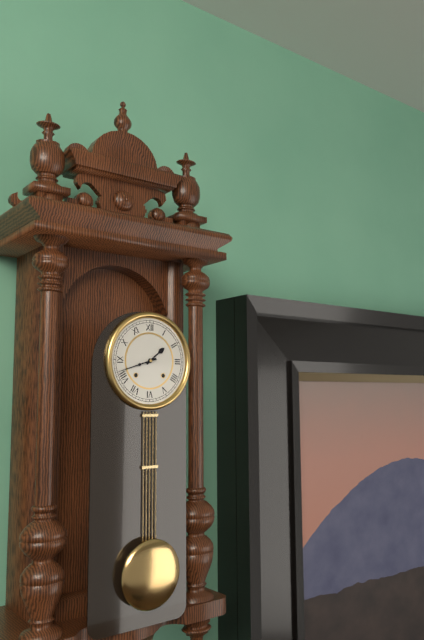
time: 1:42
